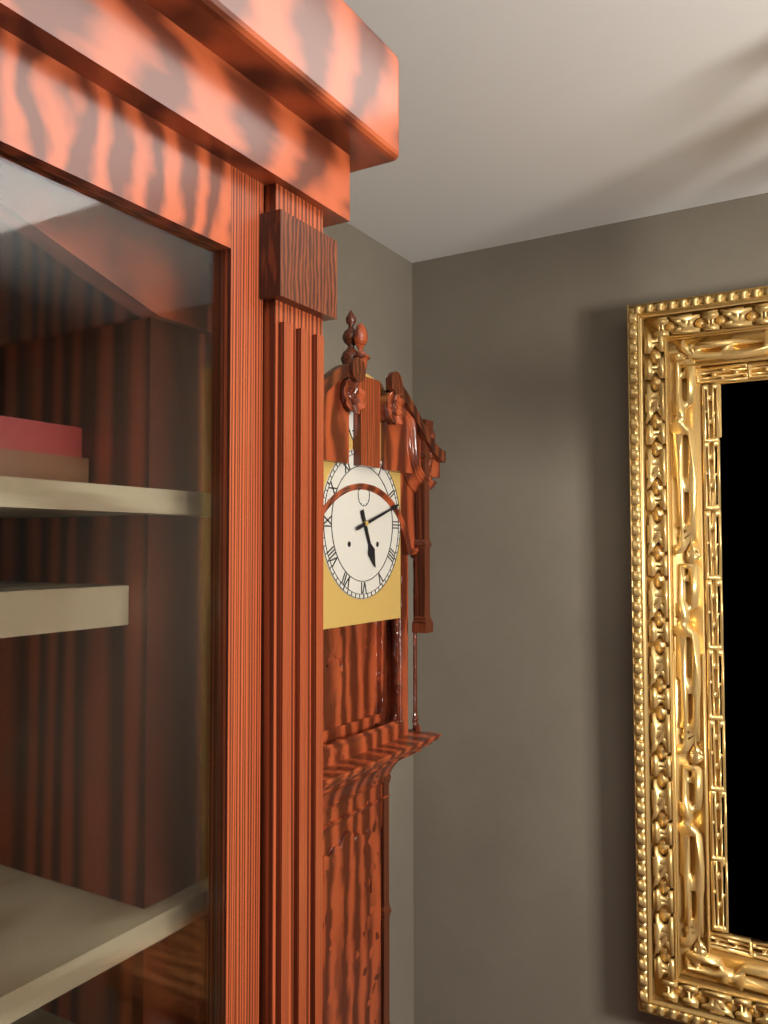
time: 5:12
